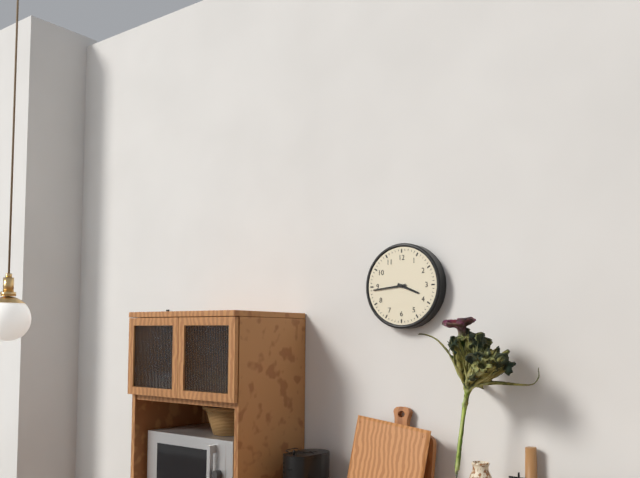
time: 3:44
